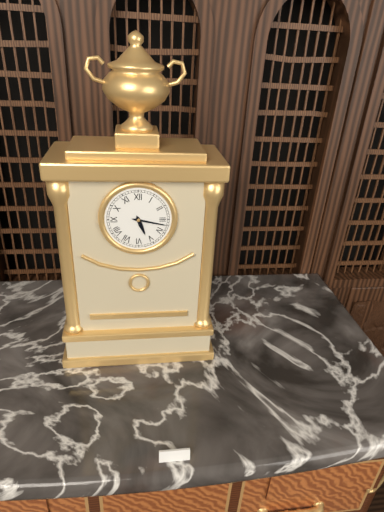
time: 5:17
